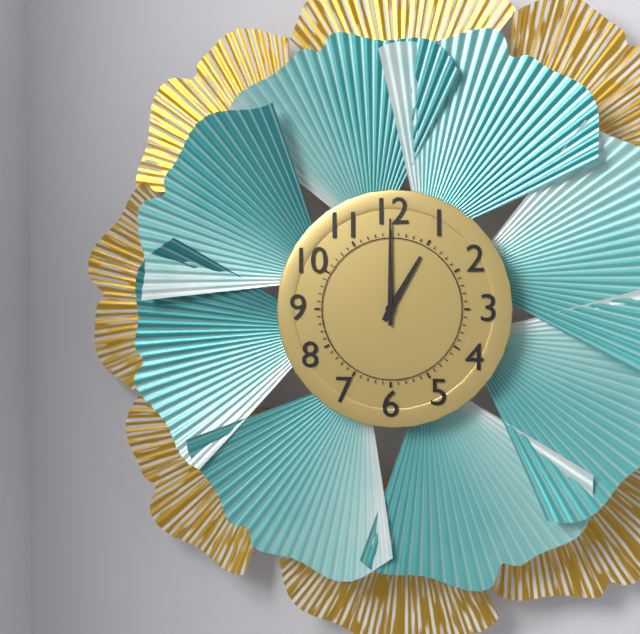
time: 1:00
